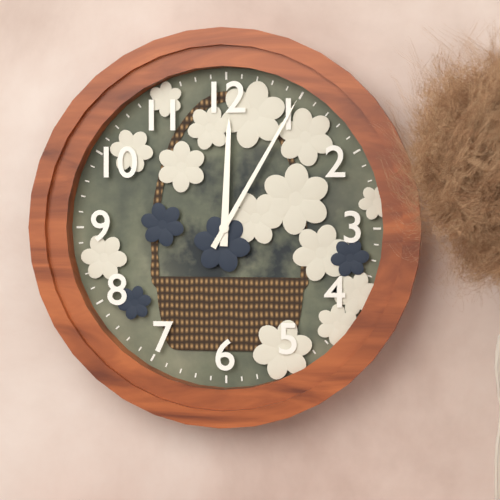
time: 12:05
